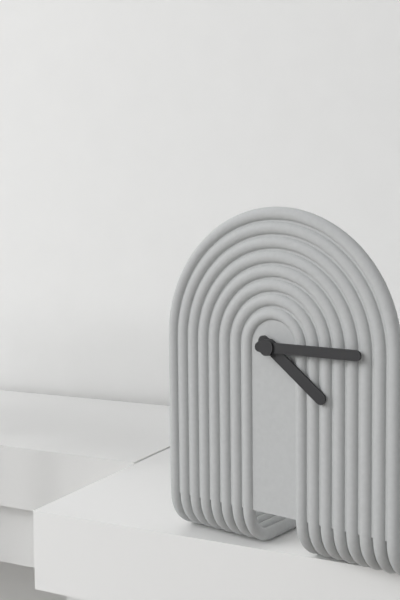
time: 4:15
